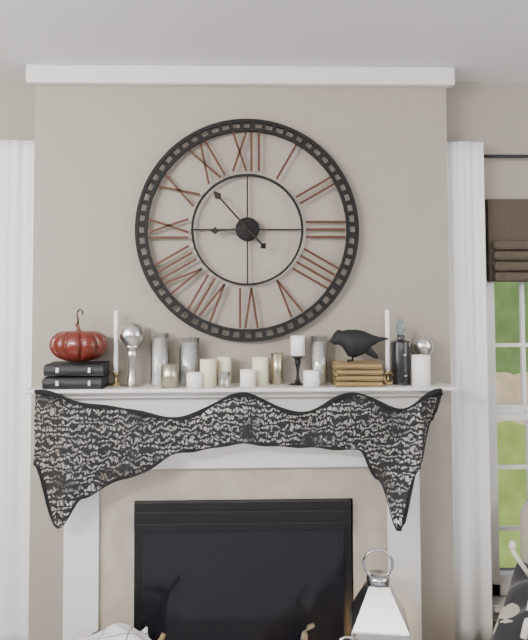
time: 8:53
